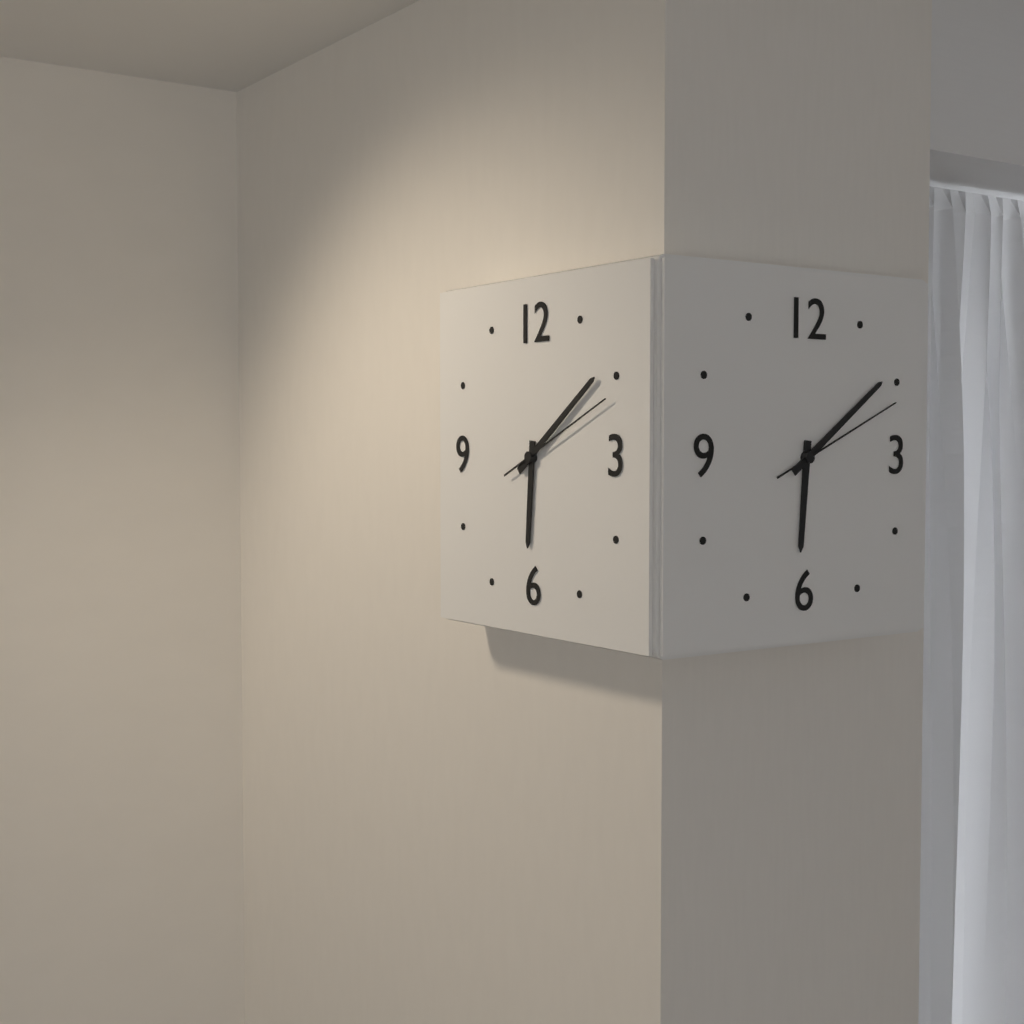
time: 6:09:11
